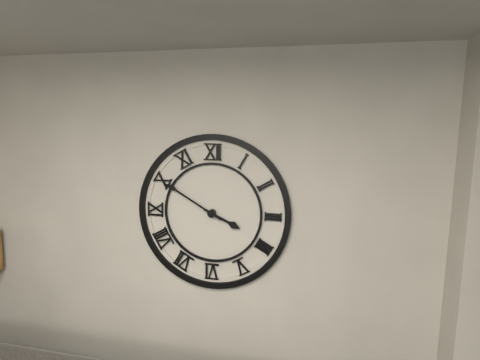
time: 3:50
